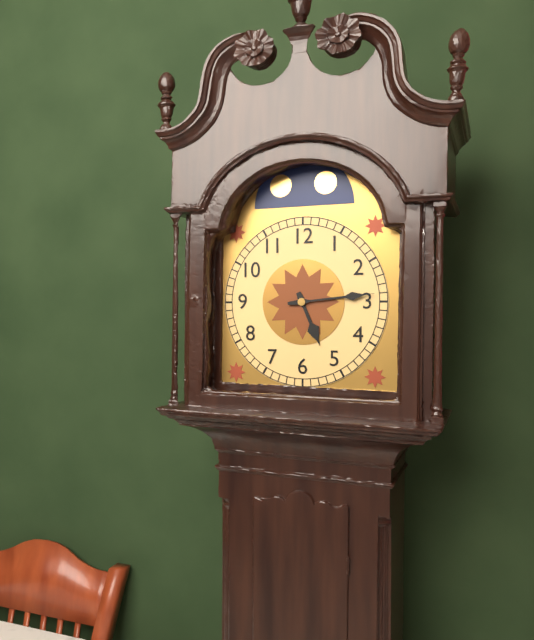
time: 5:14
